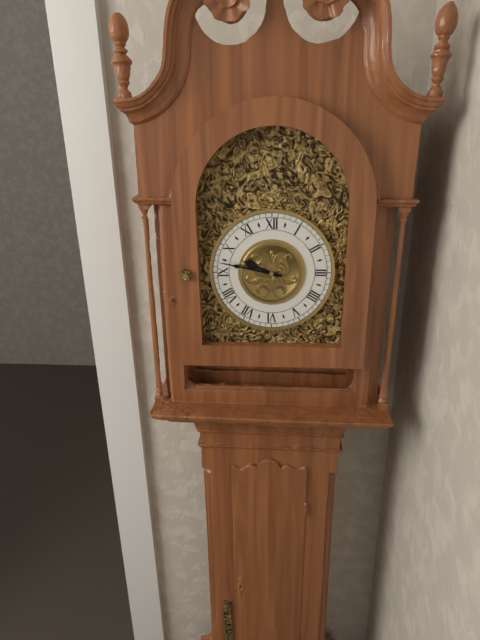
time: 9:47
